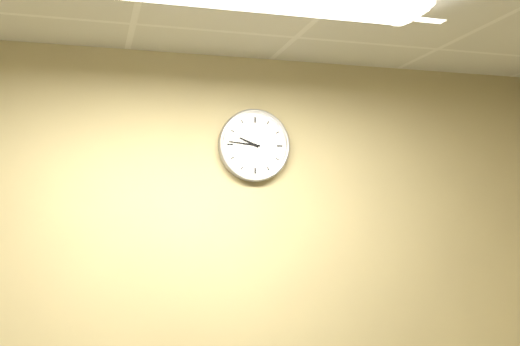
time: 9:46
